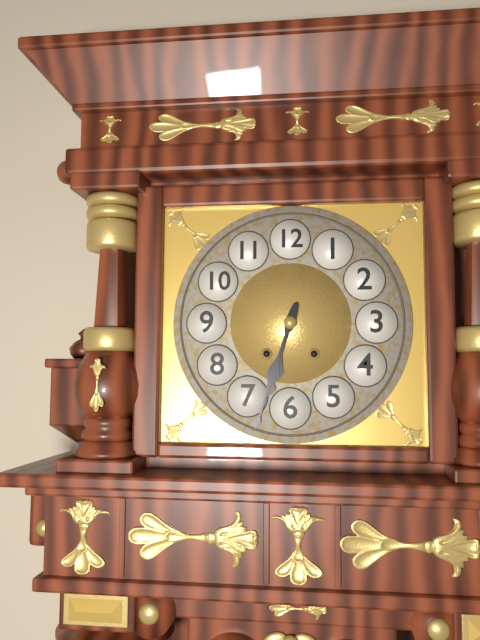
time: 6:33
